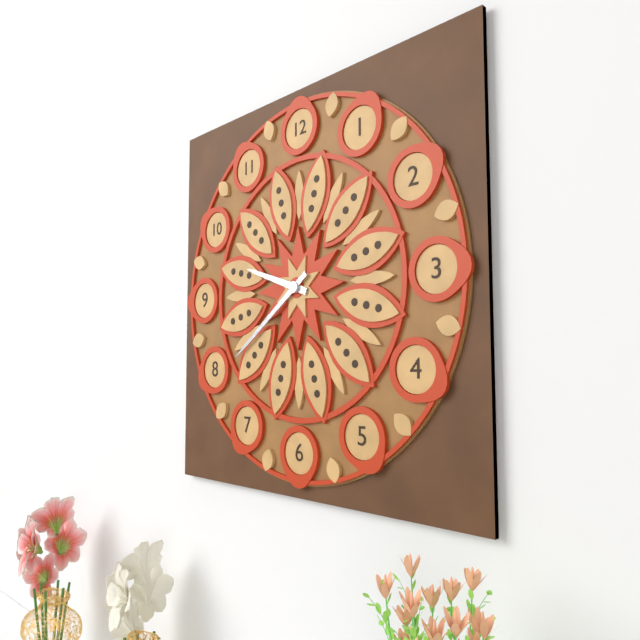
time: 9:39
